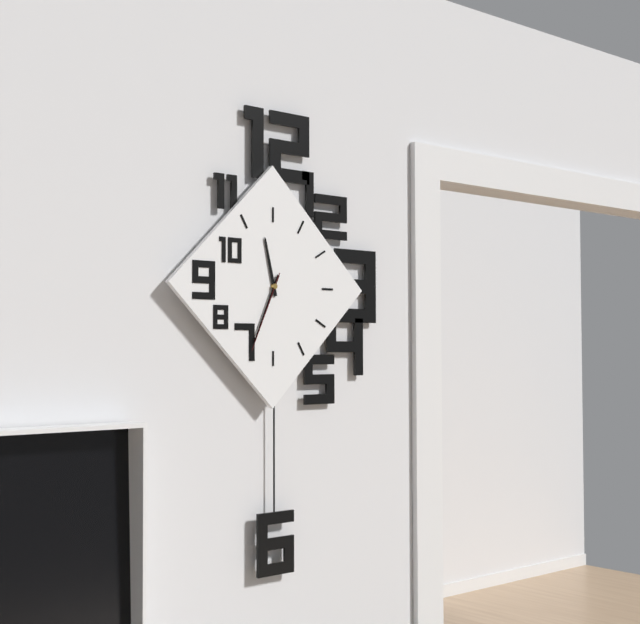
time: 11:34:34
